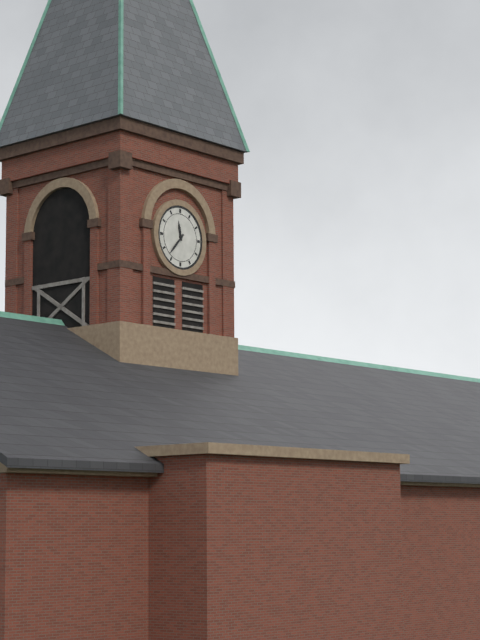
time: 11:37
